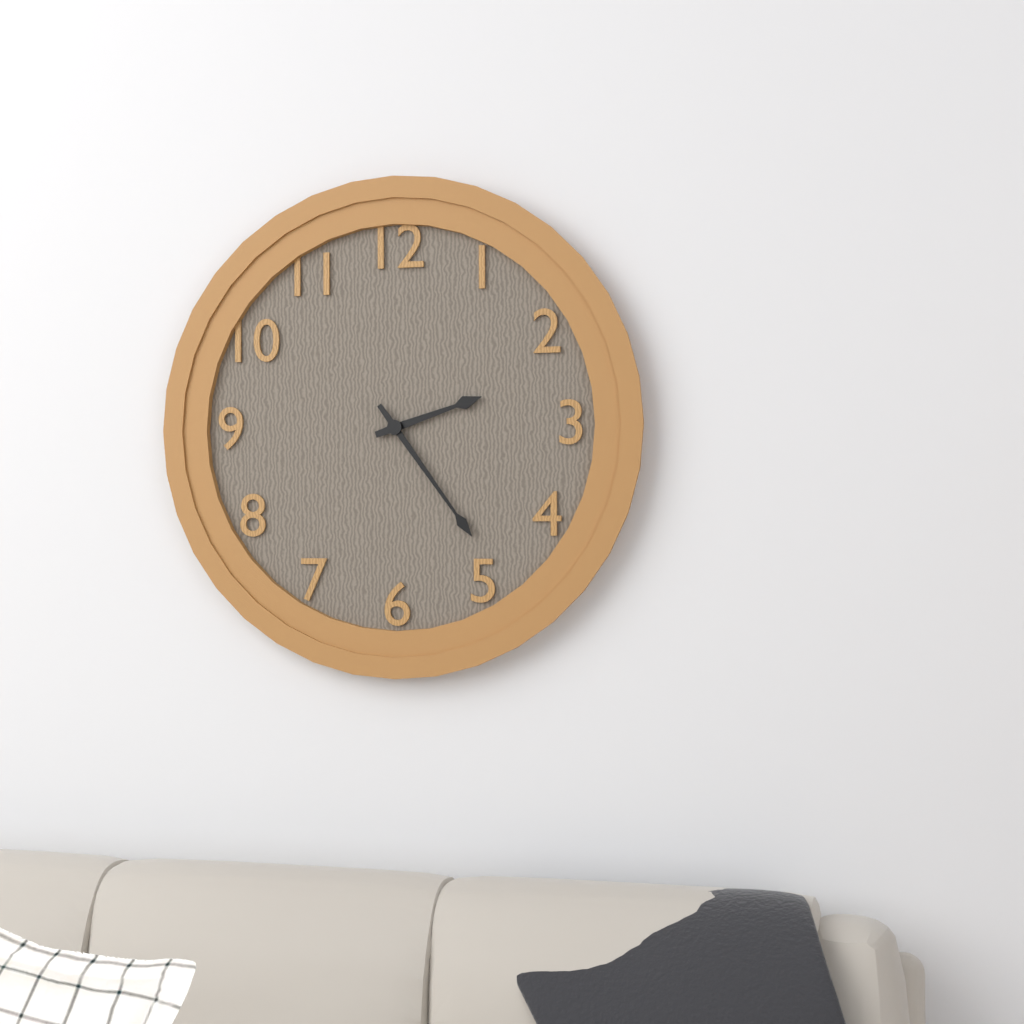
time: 2:24
